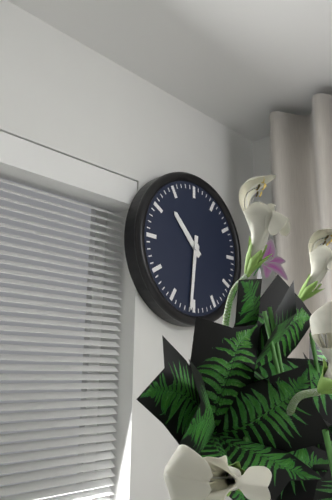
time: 10:31
